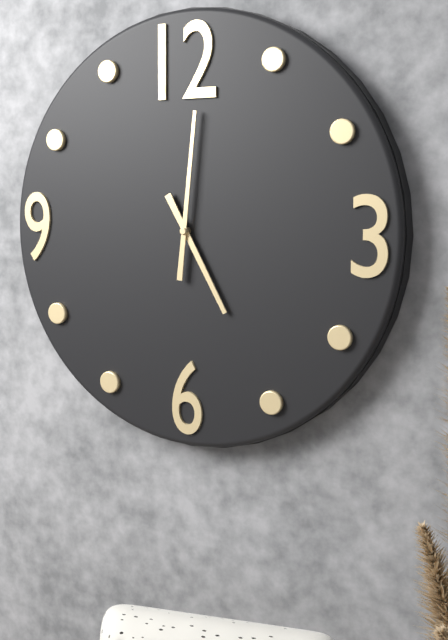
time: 5:01
